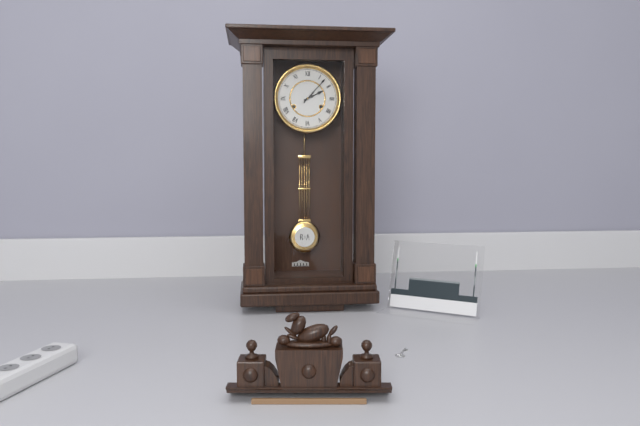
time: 2:07
